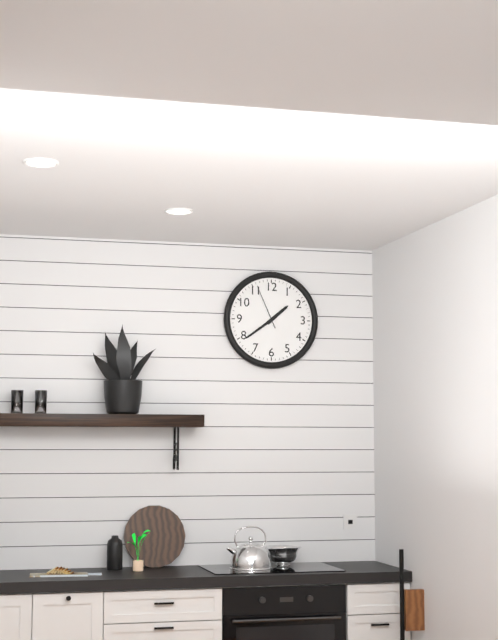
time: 1:39
